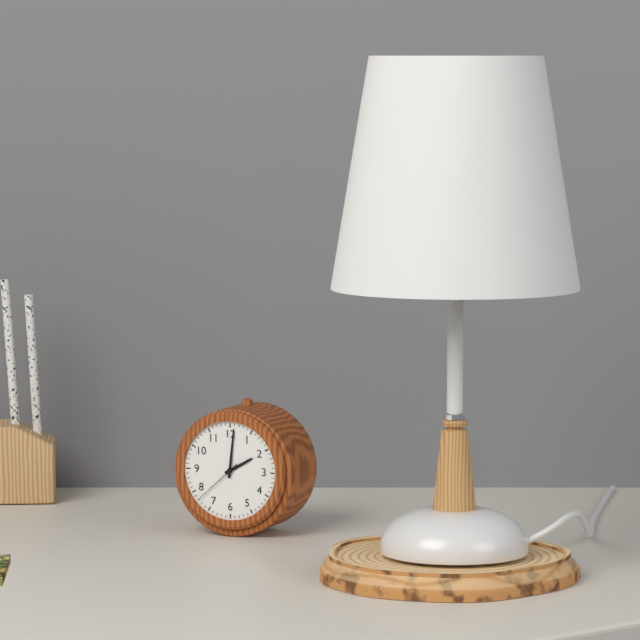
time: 2:01:38
